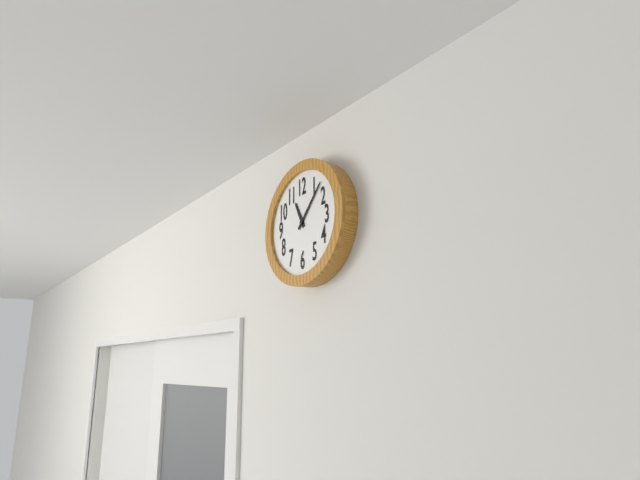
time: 11:07
